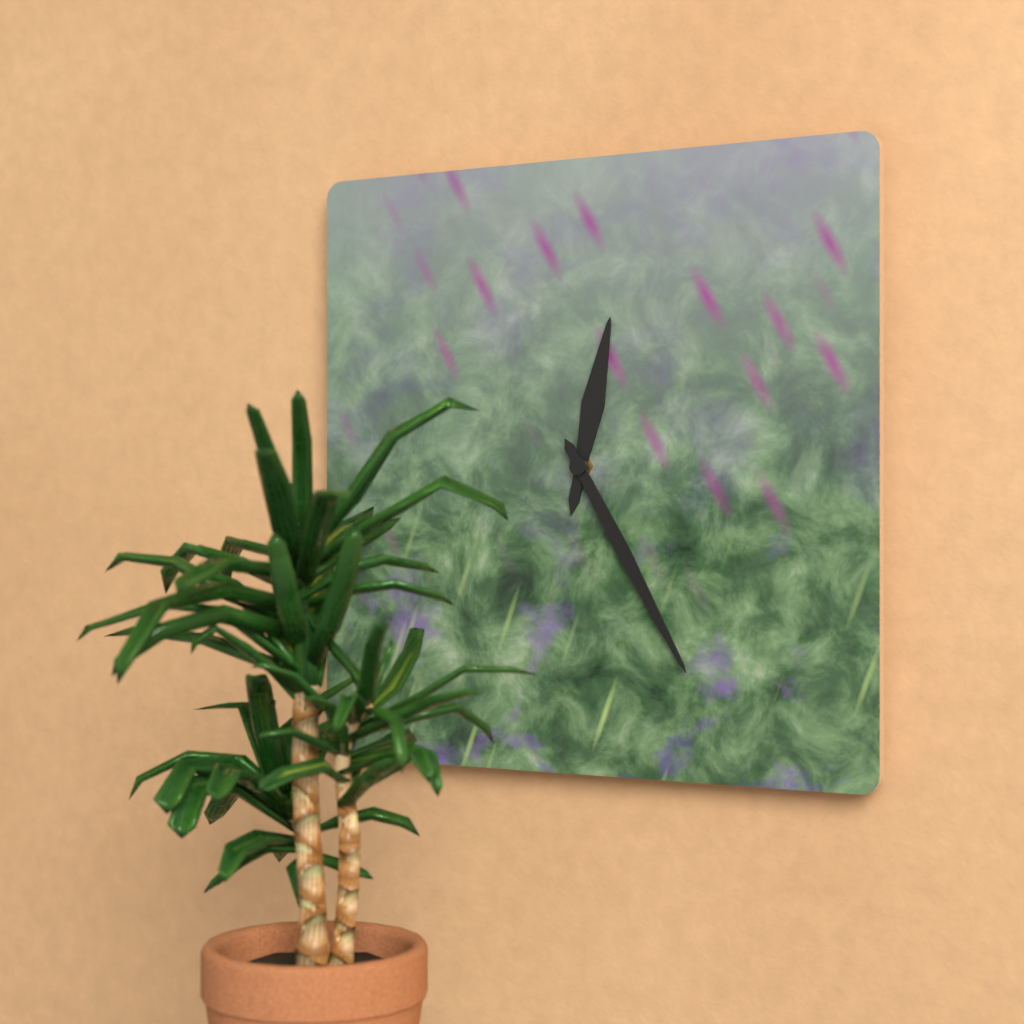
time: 12:25
